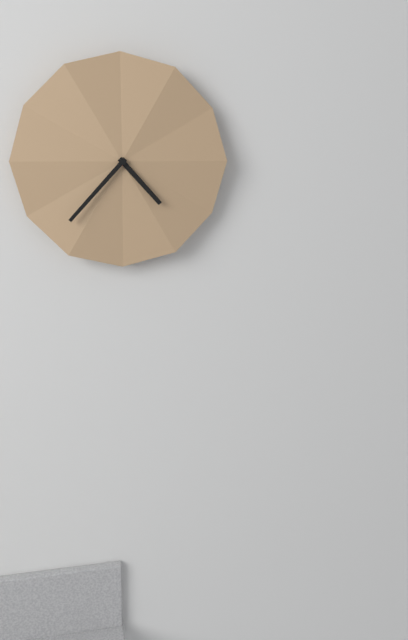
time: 4:37
